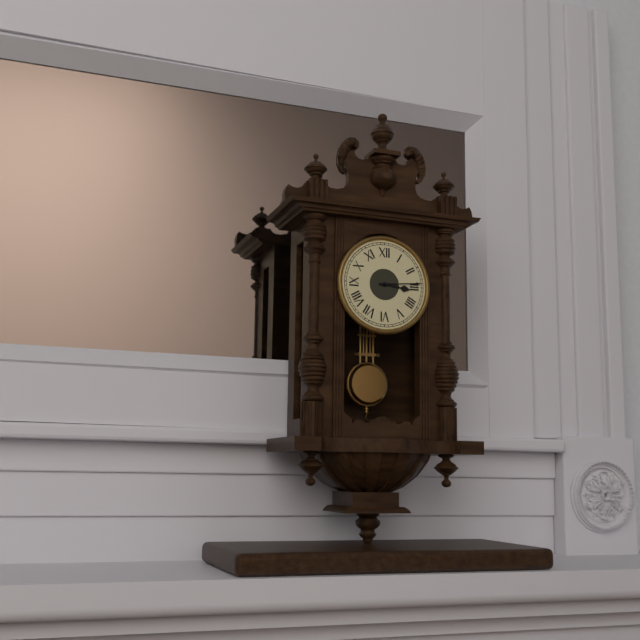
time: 3:14
